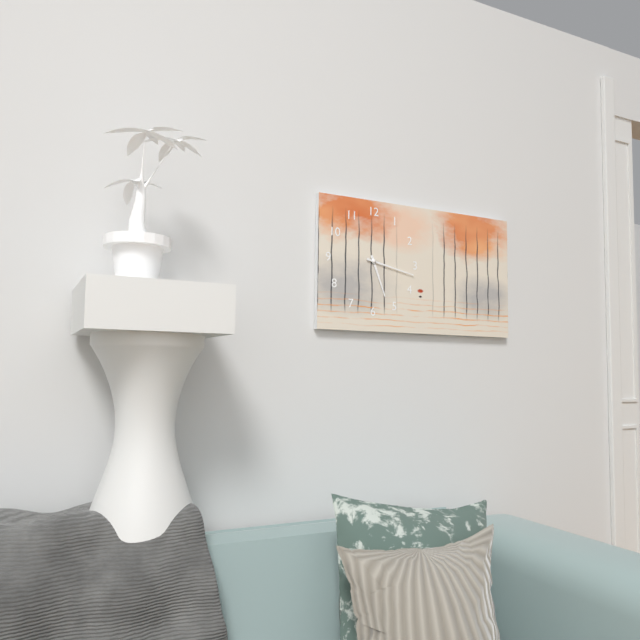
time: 5:17
